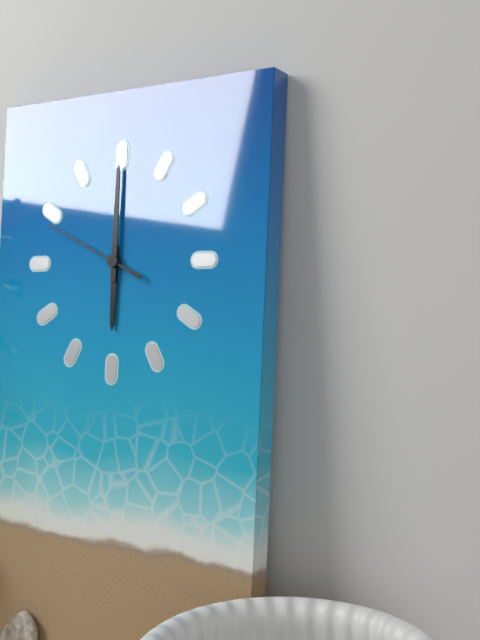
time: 6:00:49
